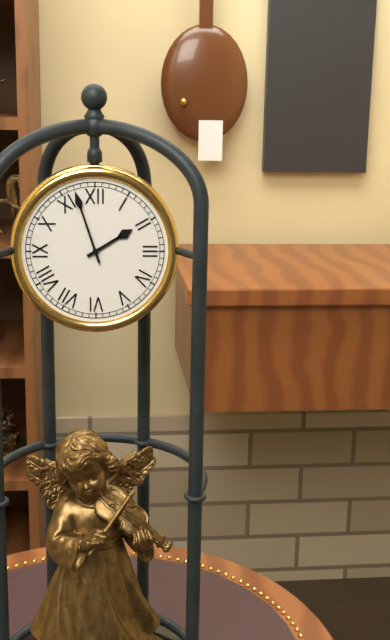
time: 1:57
